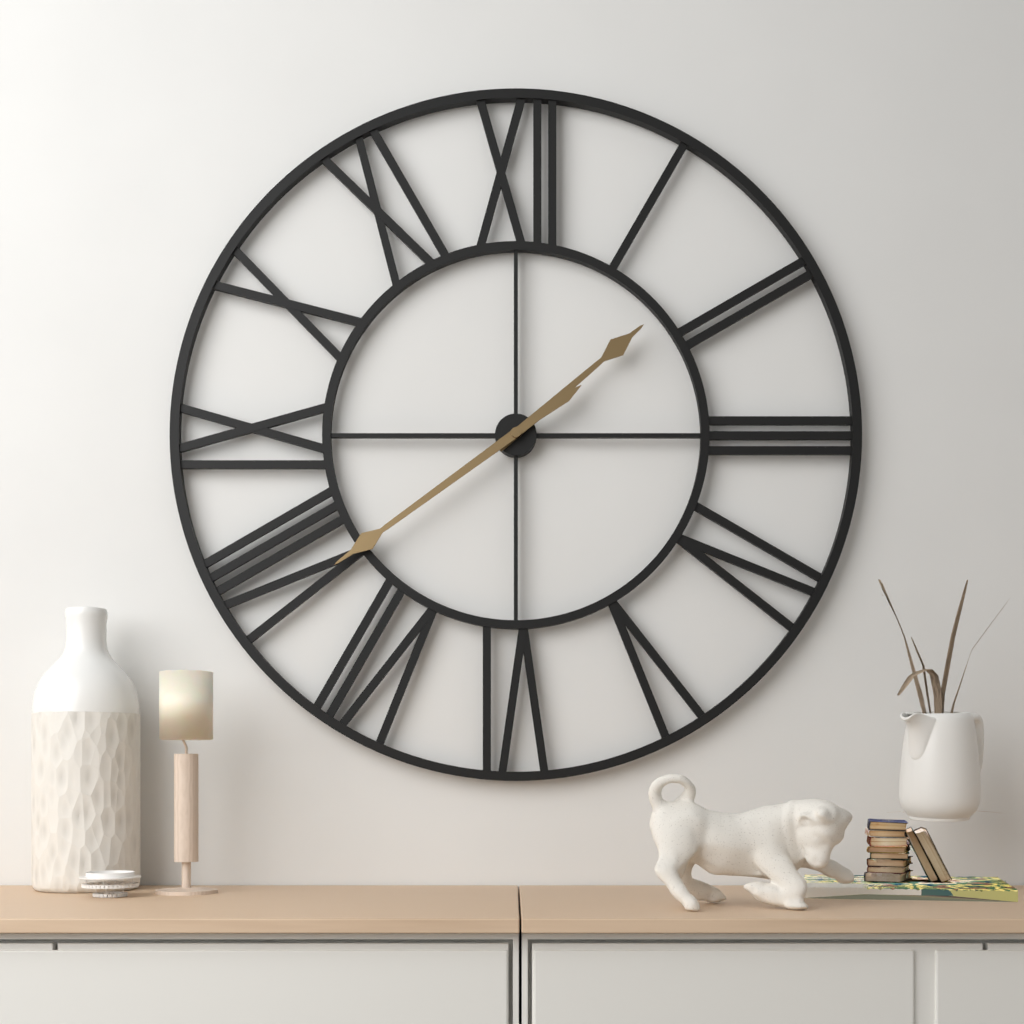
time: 1:39
